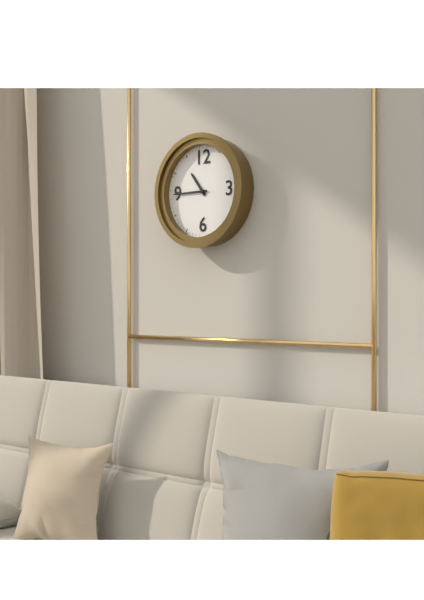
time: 10:45
